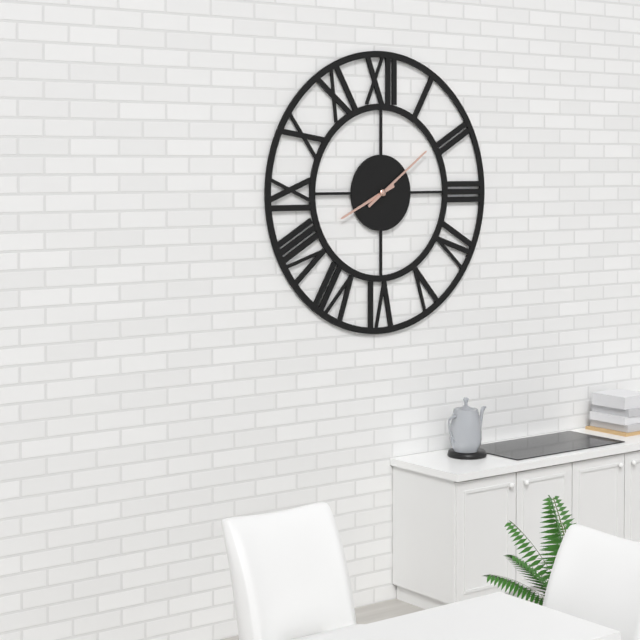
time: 8:09
